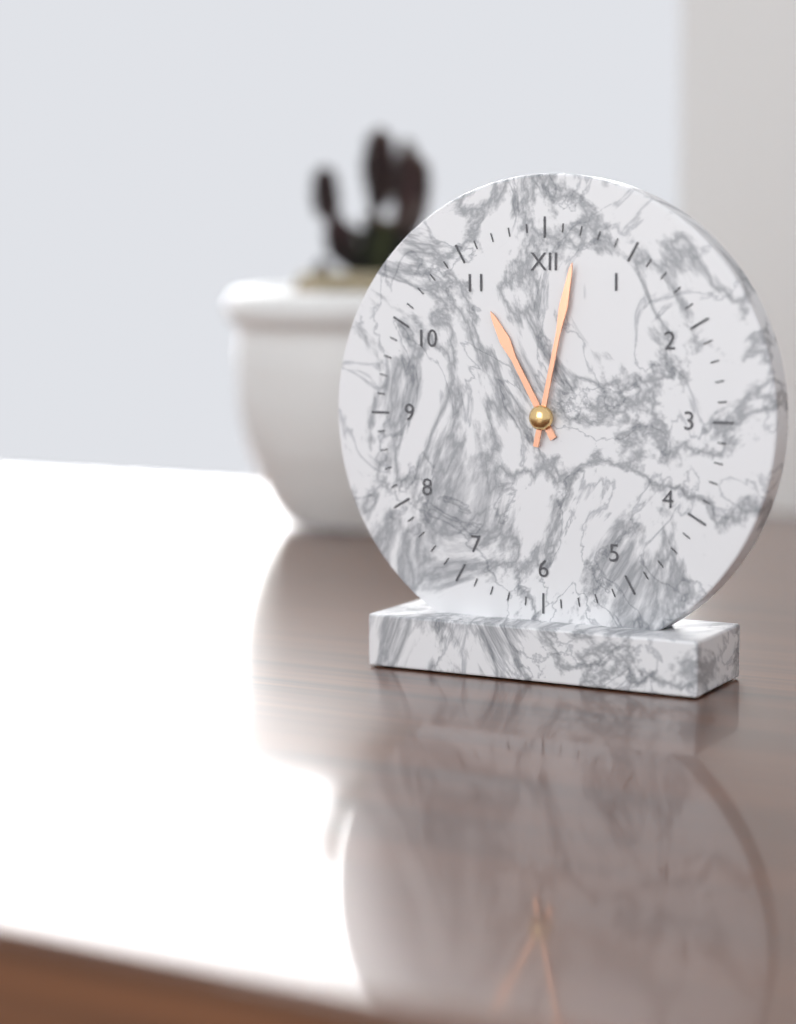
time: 11:02
